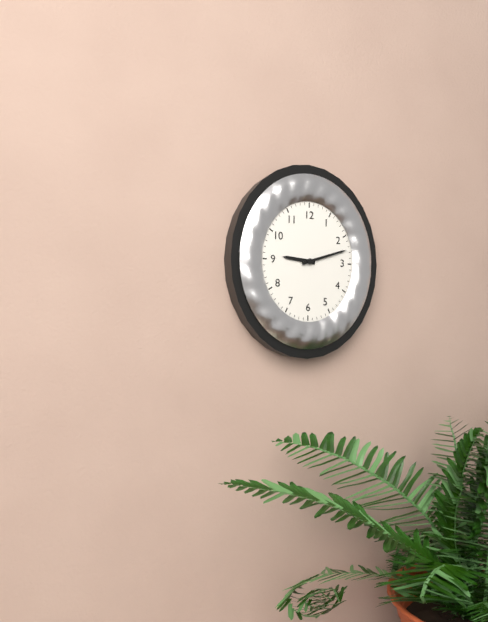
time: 9:12
